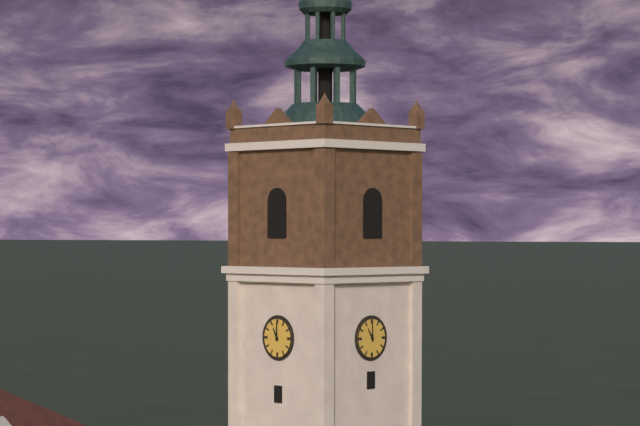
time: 11:00
